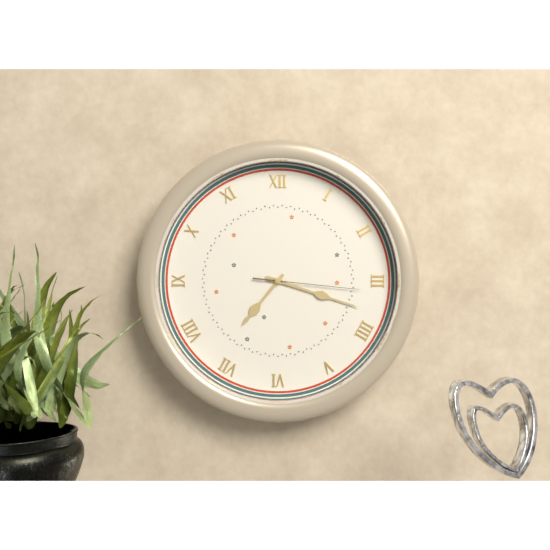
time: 7:18:16
